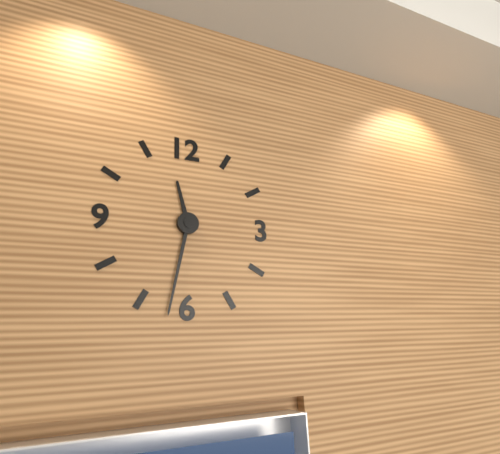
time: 11:32
